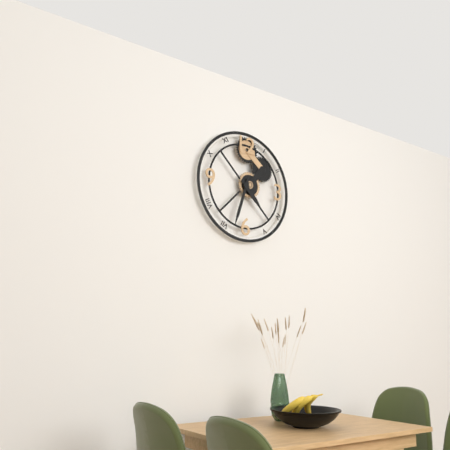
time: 4:33
